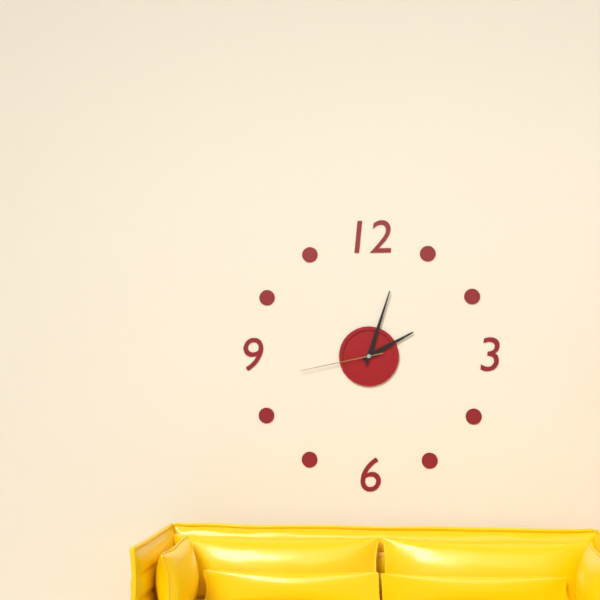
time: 2:03:43
